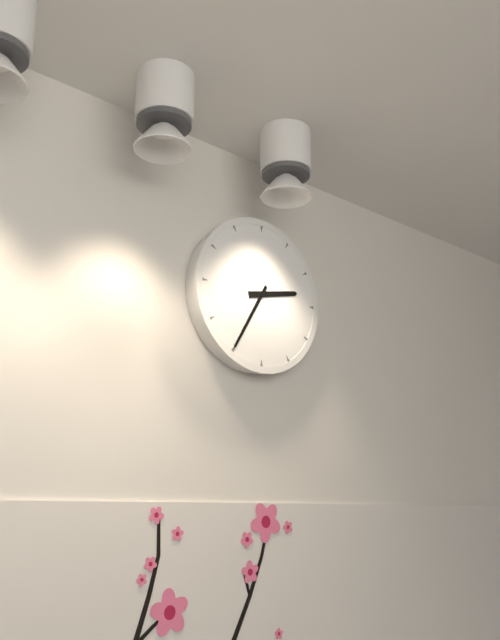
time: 2:35
